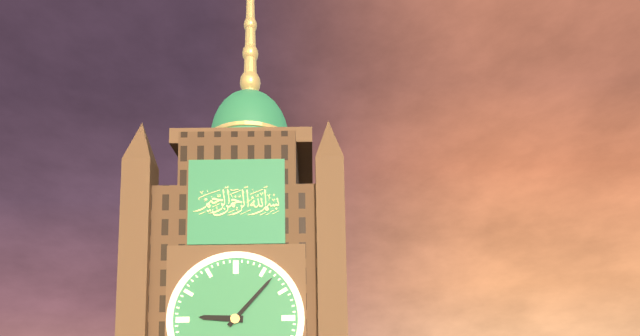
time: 9:07
